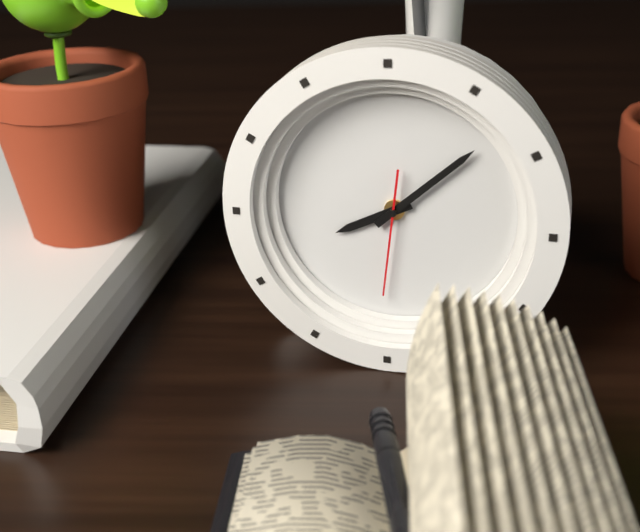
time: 8:08:31
